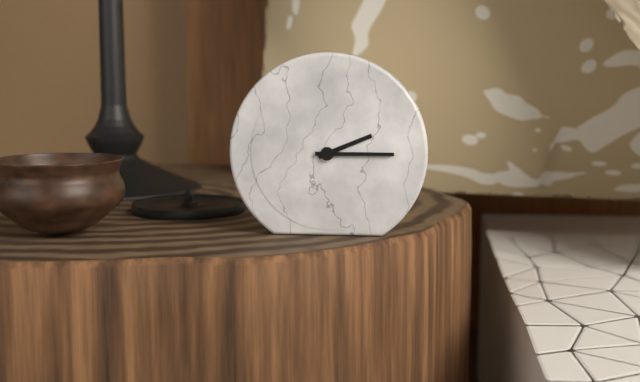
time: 2:15
